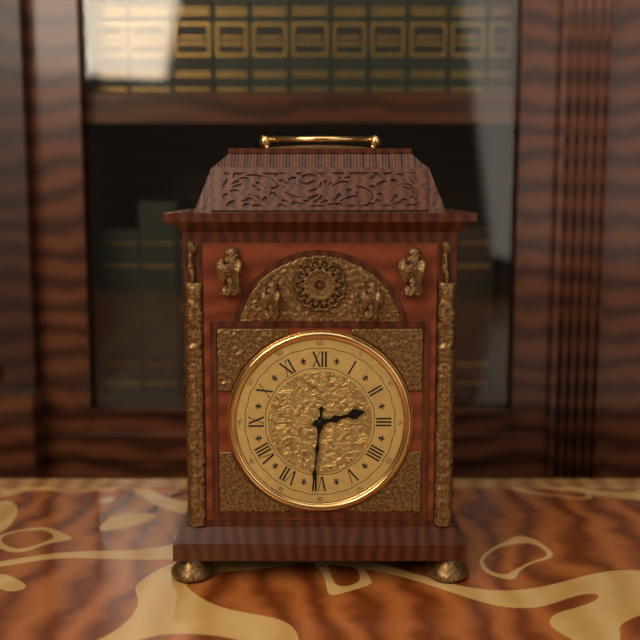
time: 2:31
